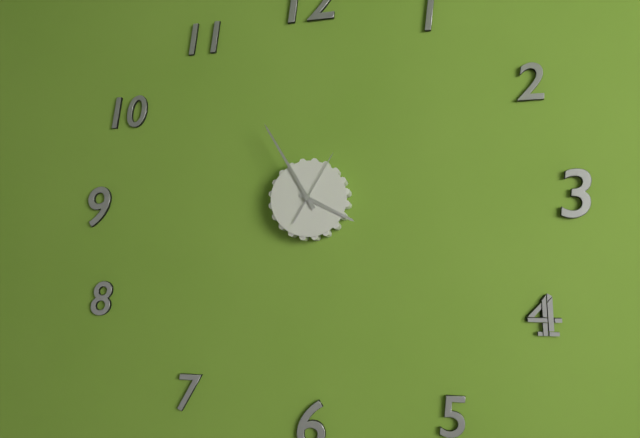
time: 3:55:05
